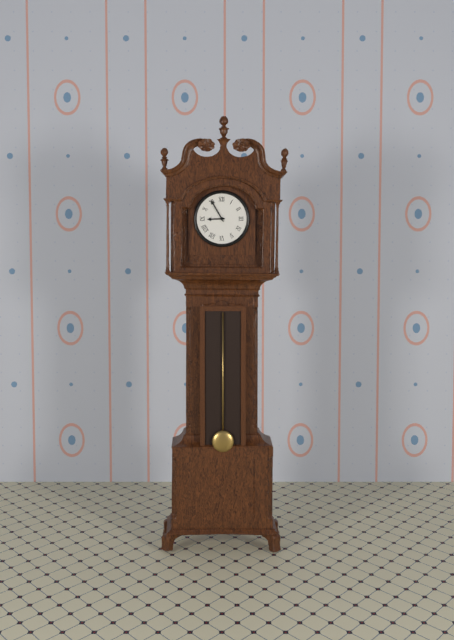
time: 8:55
